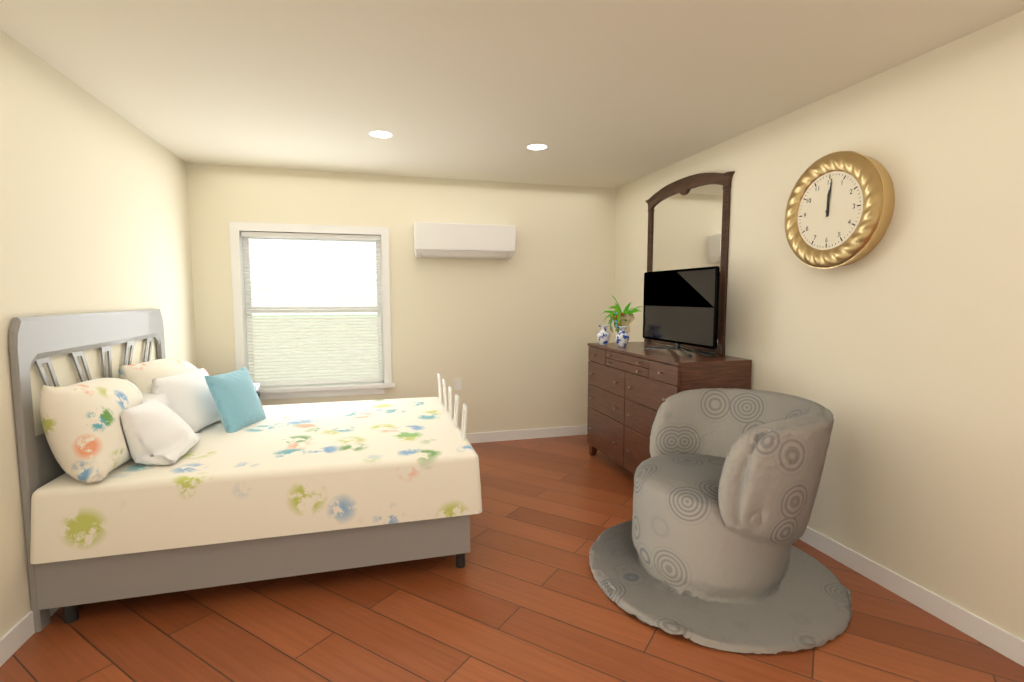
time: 12:01
